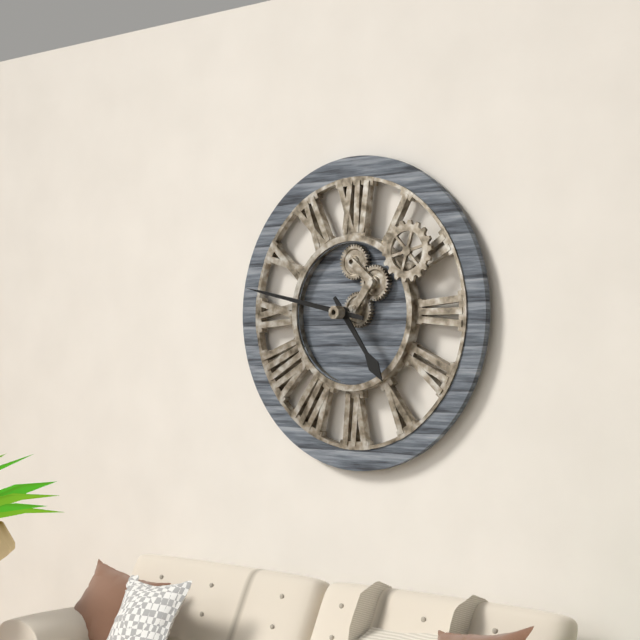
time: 4:47
